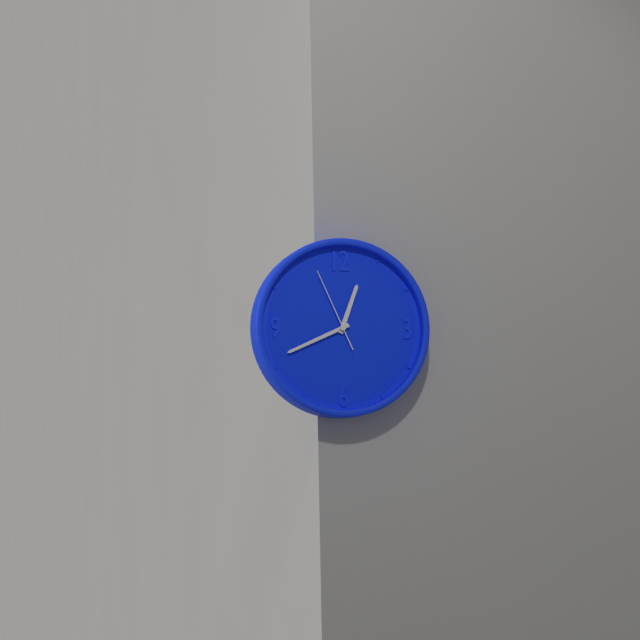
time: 12:41:56
